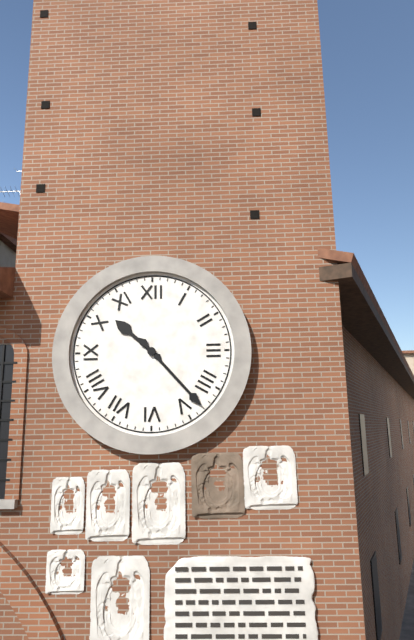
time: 10:23
